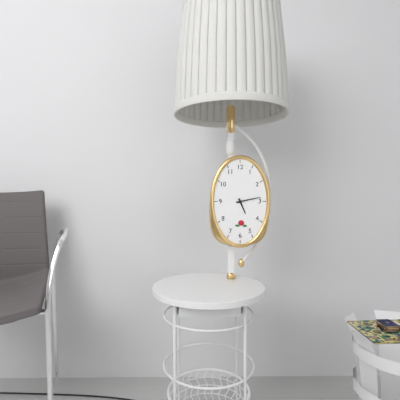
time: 5:13
